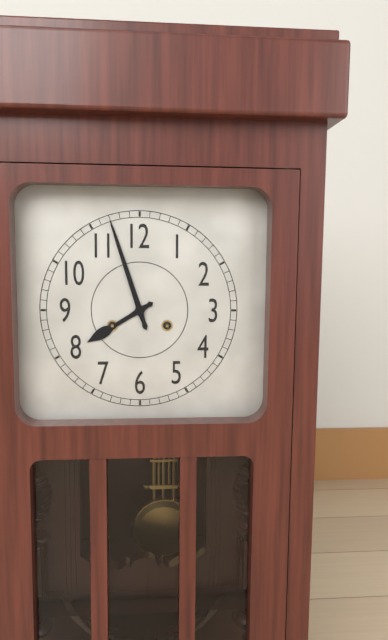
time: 7:57
